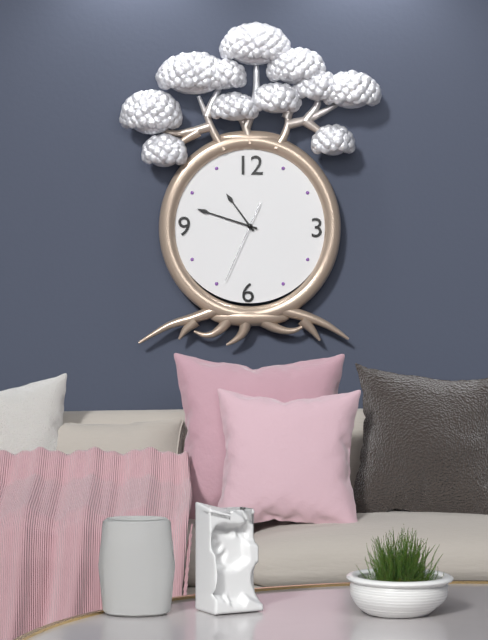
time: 10:48:34
